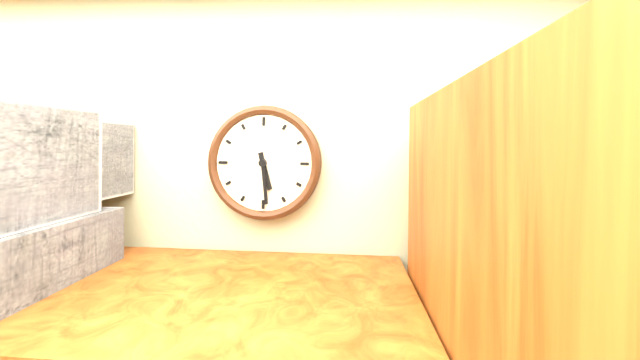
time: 5:29
